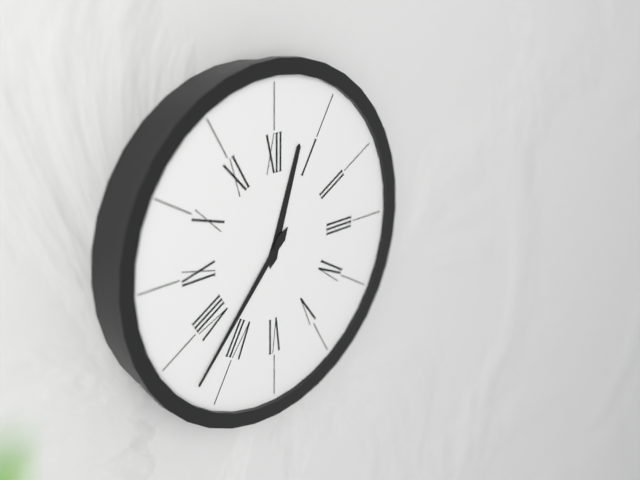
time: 12:37
